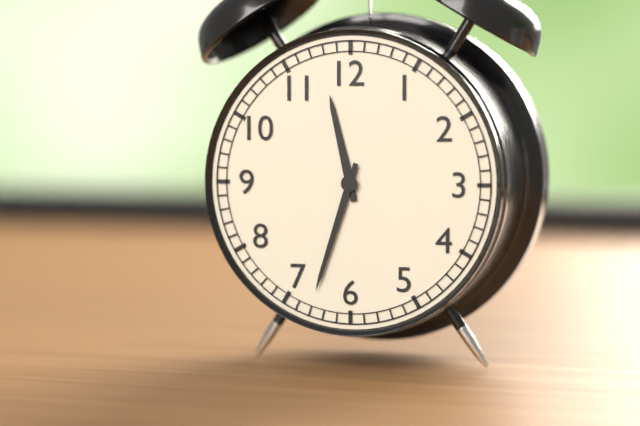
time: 11:33
